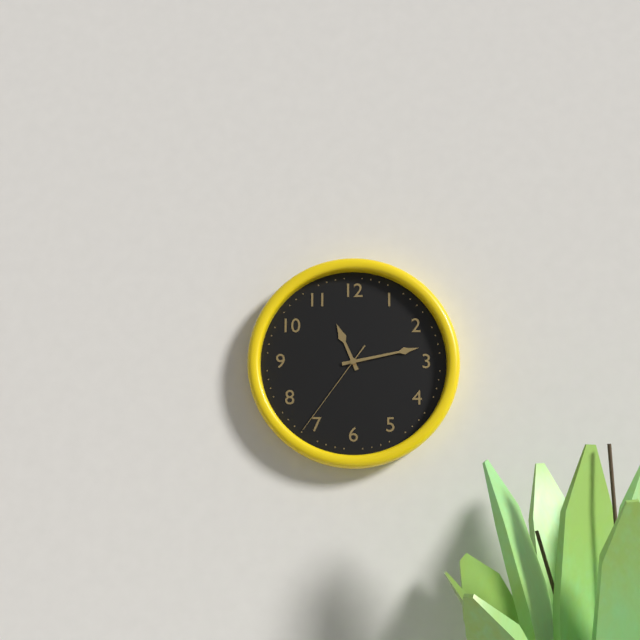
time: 11:13:36
